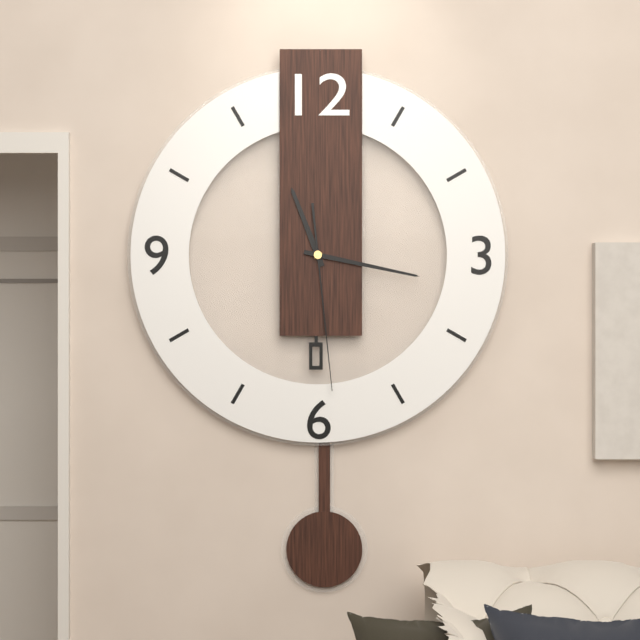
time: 11:17:29
